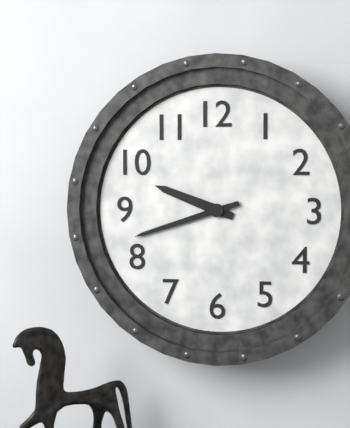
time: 9:42
